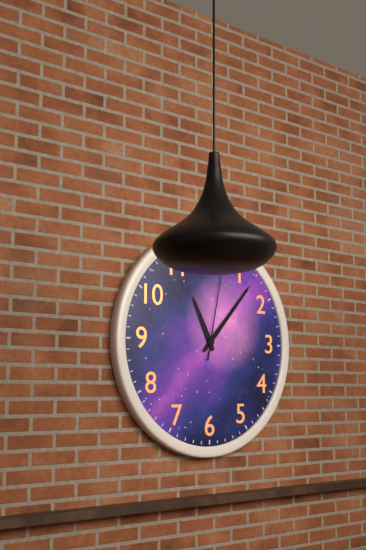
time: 11:07:02
